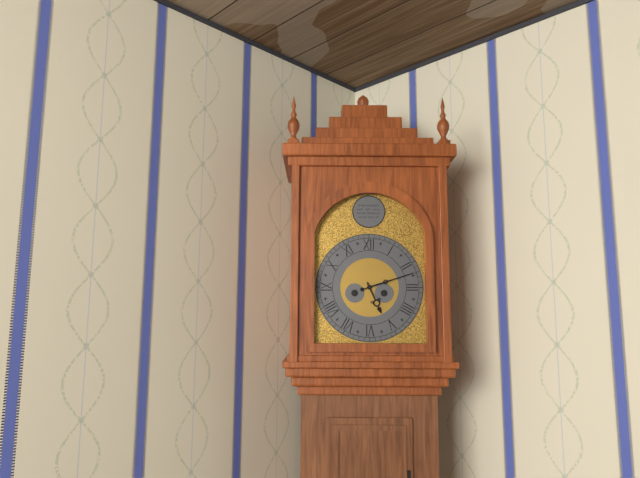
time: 5:12
